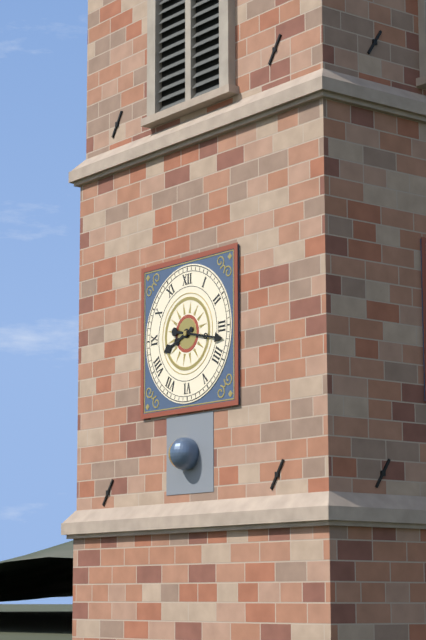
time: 8:17
